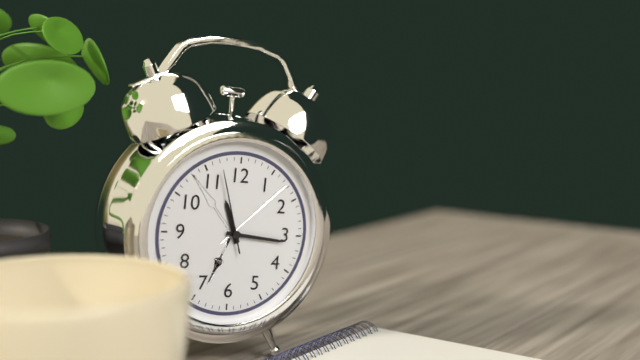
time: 11:16:57
